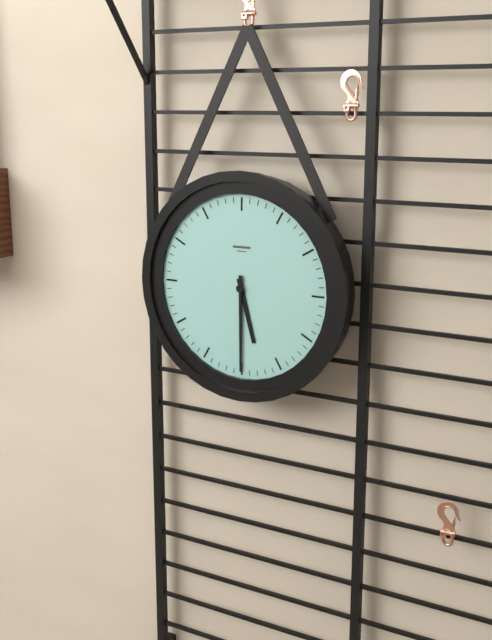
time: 5:30
